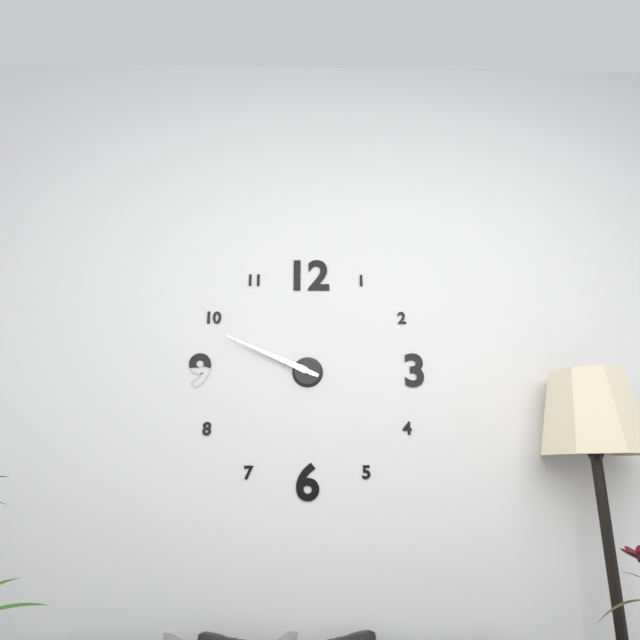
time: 9:49
